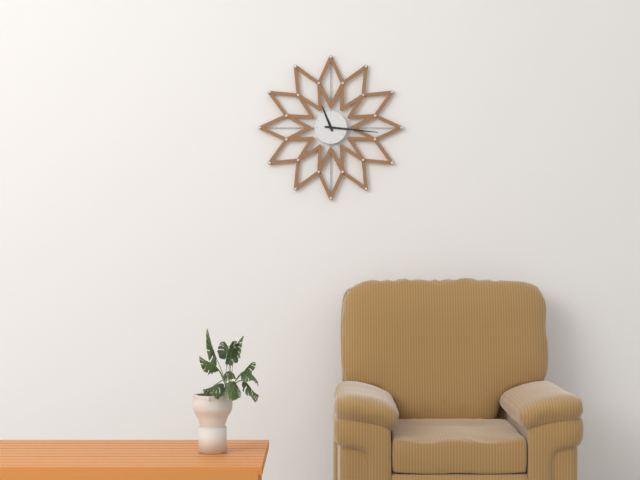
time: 11:16
